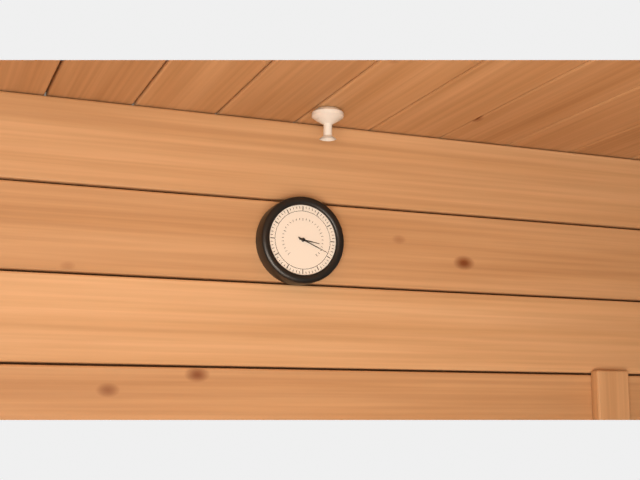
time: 3:19
